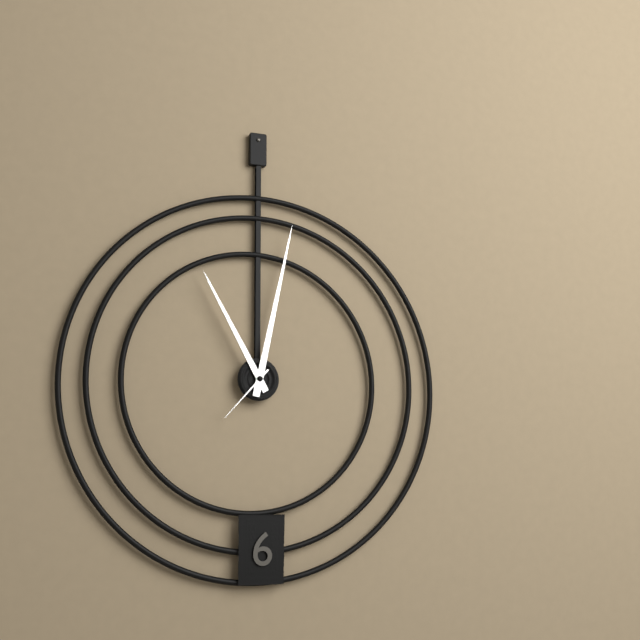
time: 11:02:37
